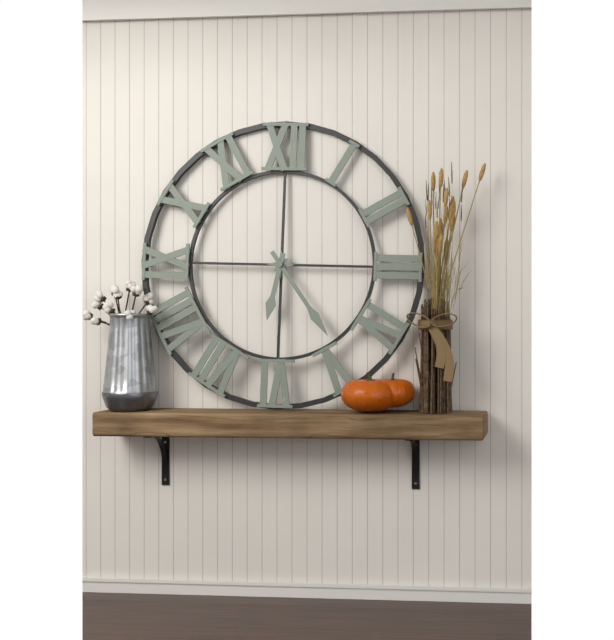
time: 6:24
